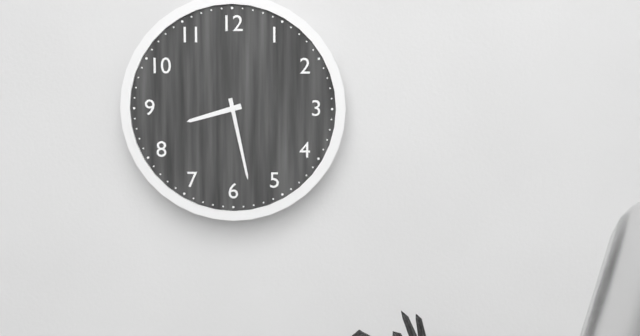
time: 8:28
